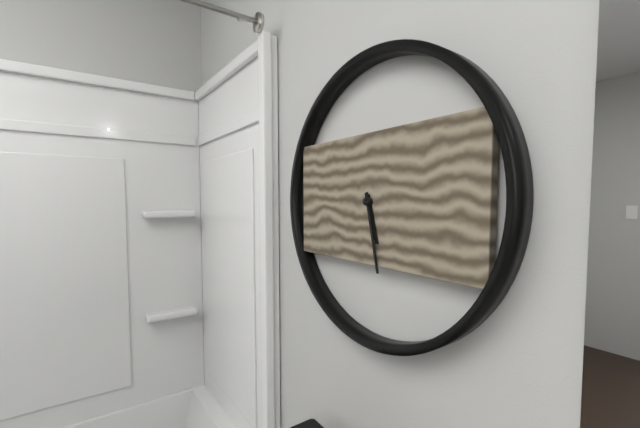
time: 5:28
